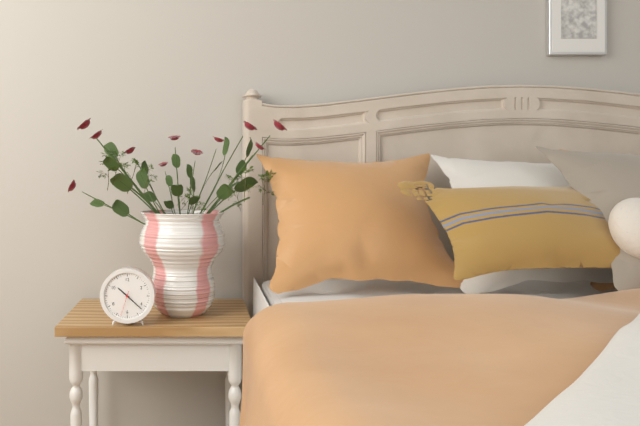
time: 10:22
